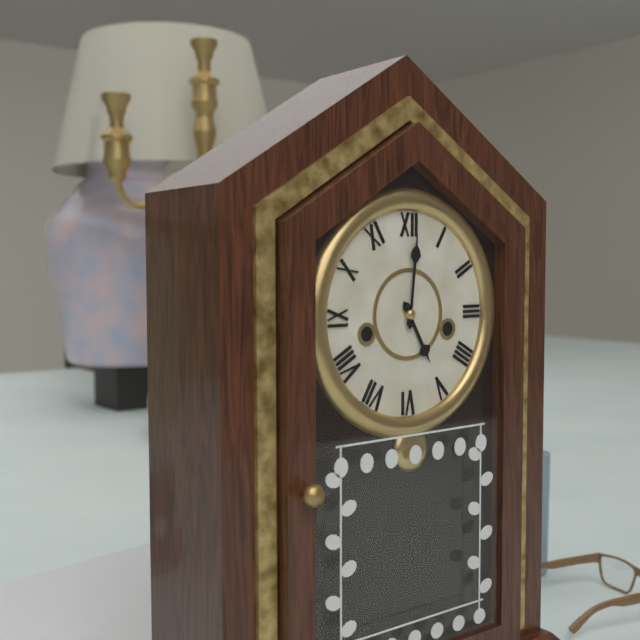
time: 5:01
